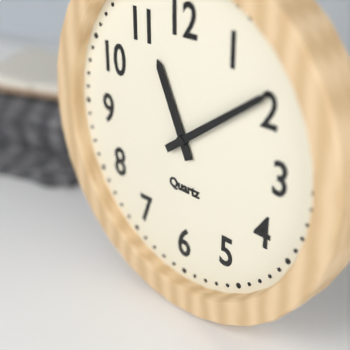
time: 11:09
